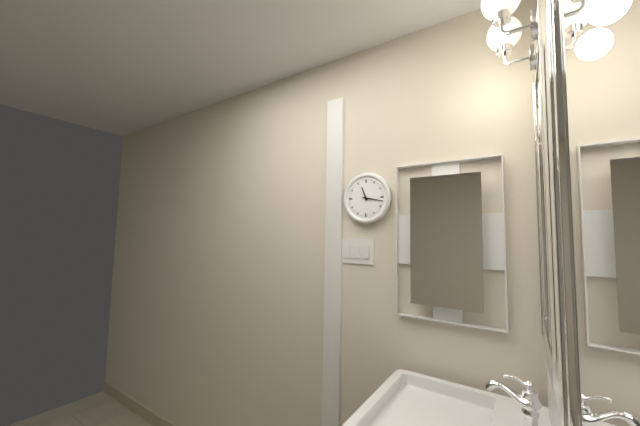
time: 11:17
